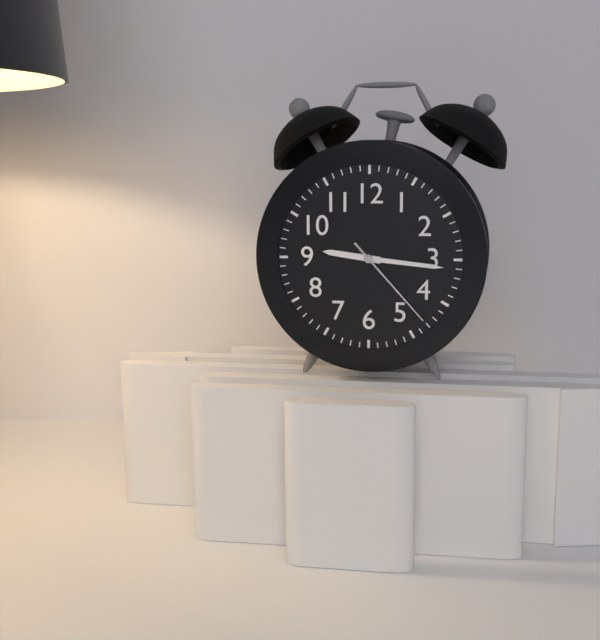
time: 9:16:23
